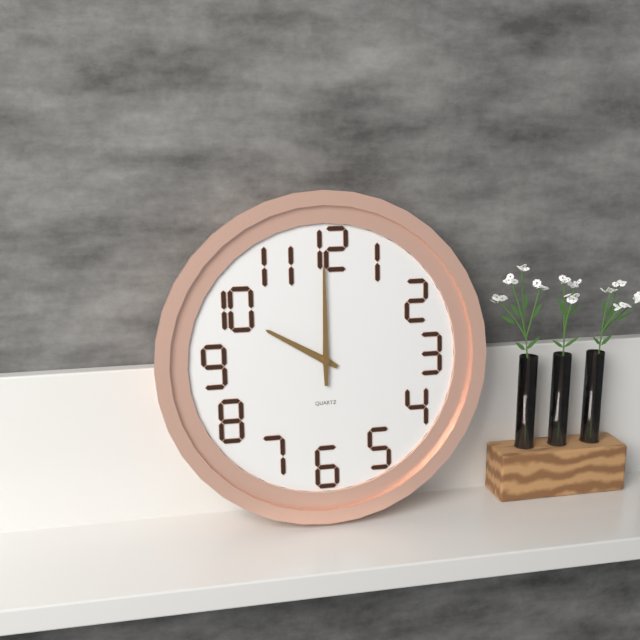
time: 10:00
